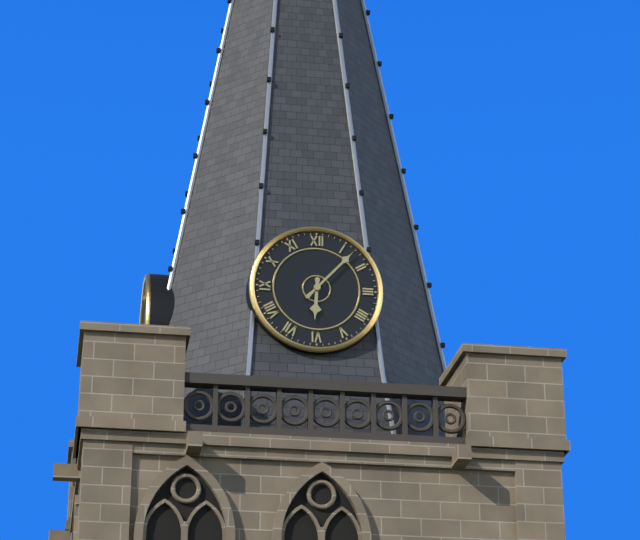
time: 6:07
